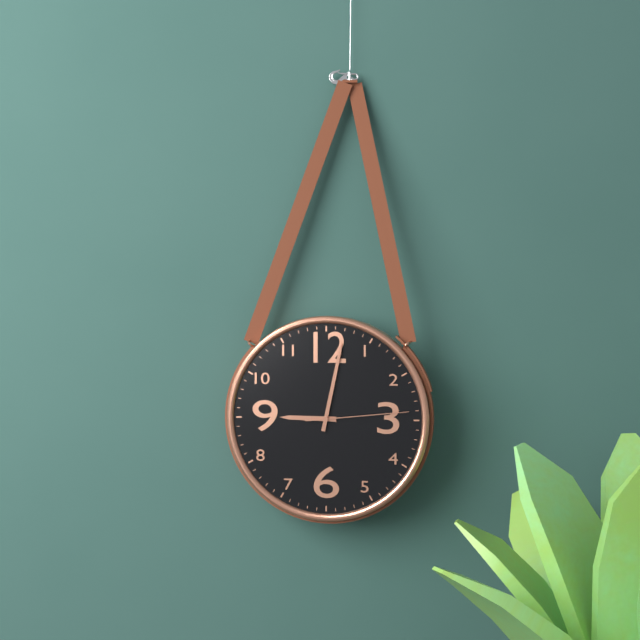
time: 9:02:14
